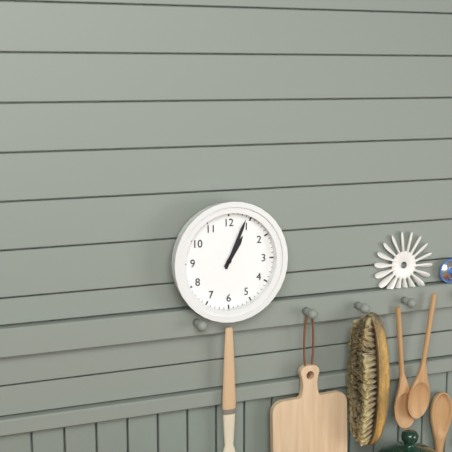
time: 1:04
